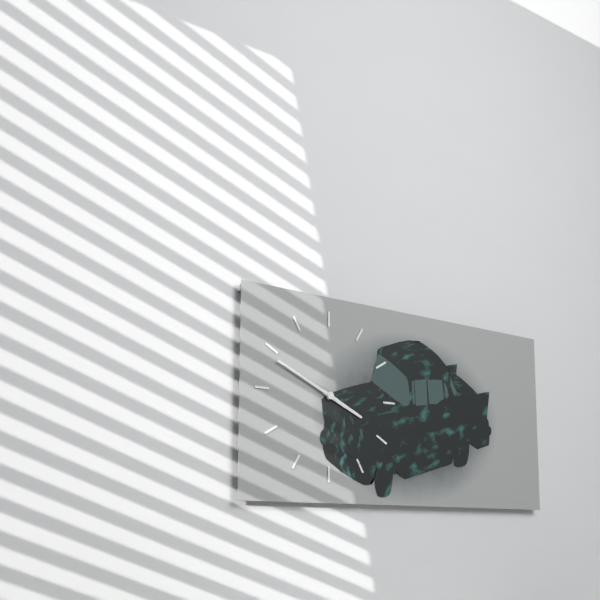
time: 3:49
